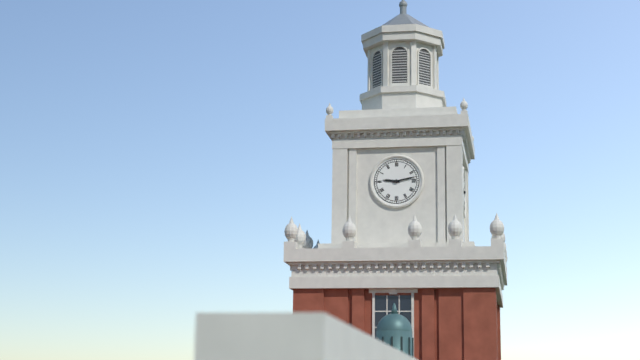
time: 9:13
